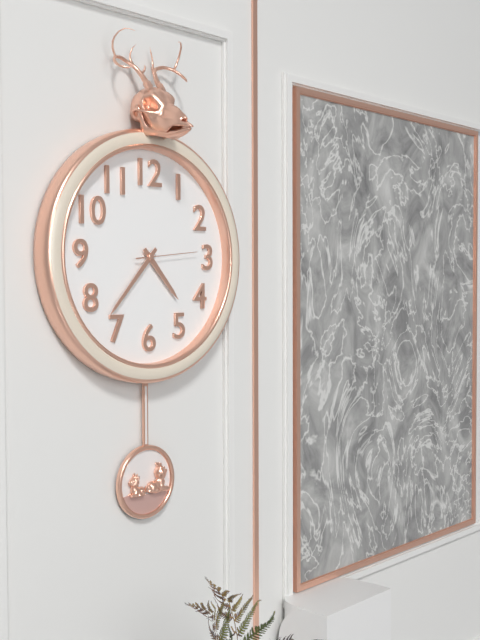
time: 4:37:14
